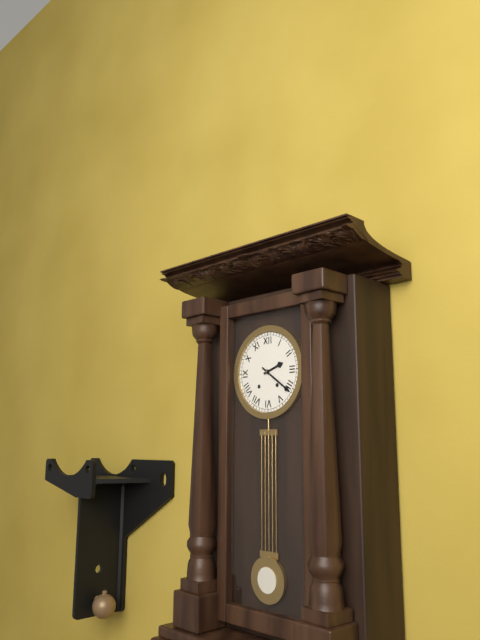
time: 2:21
